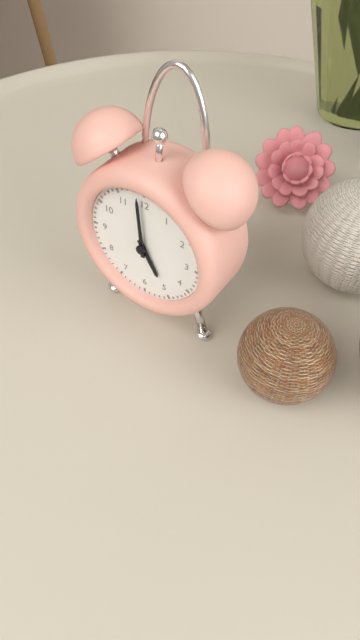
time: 4:59
